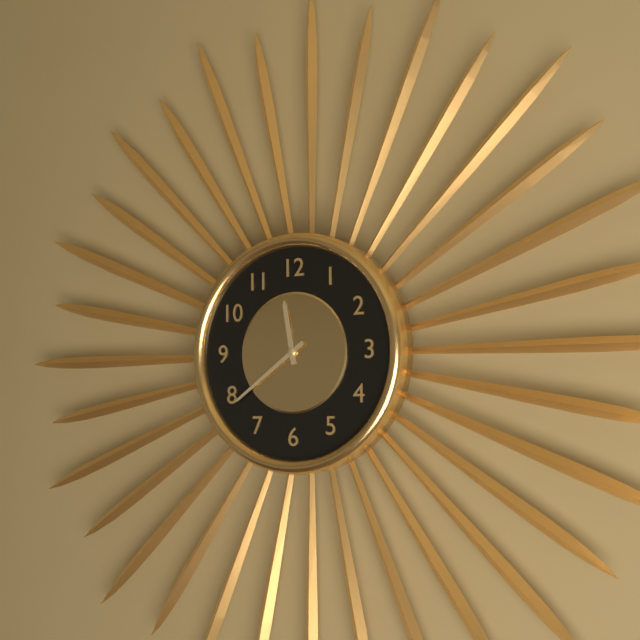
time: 11:39
